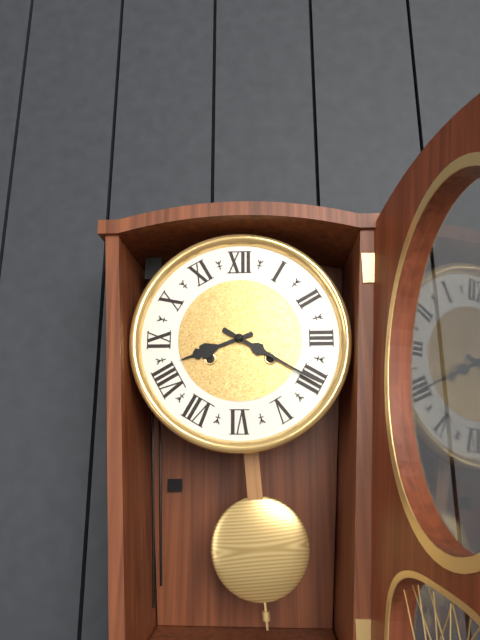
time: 8:20
